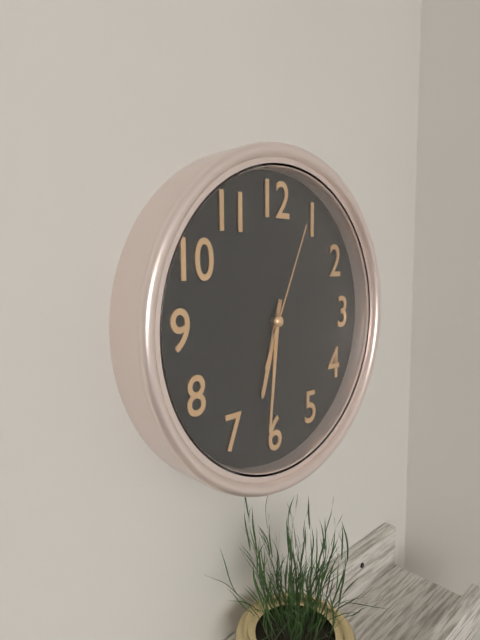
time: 6:31:04
